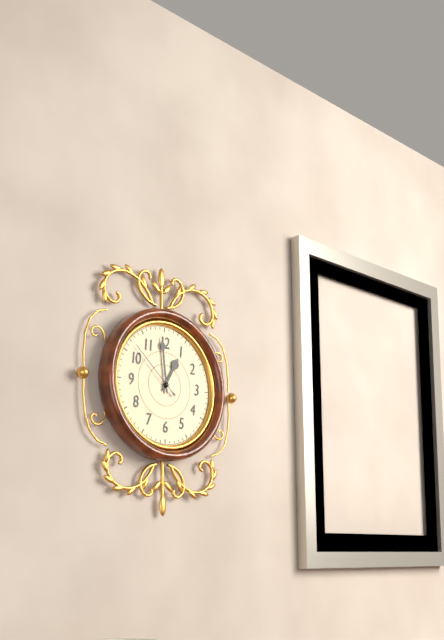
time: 12:59:52
